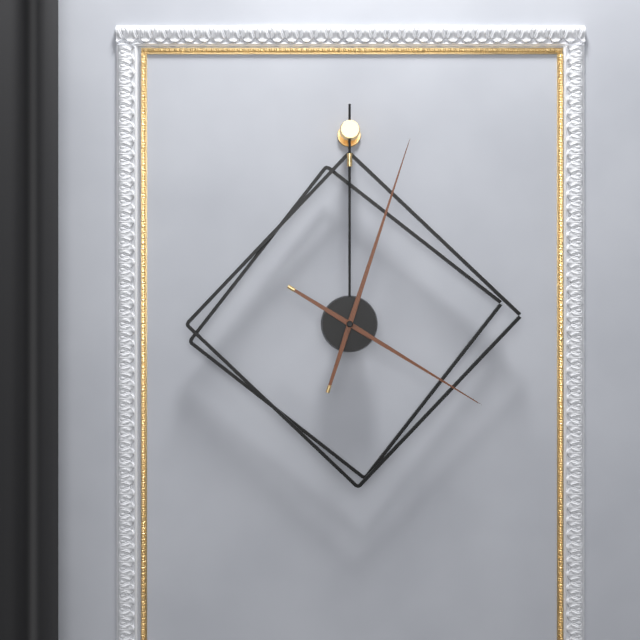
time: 4:03
